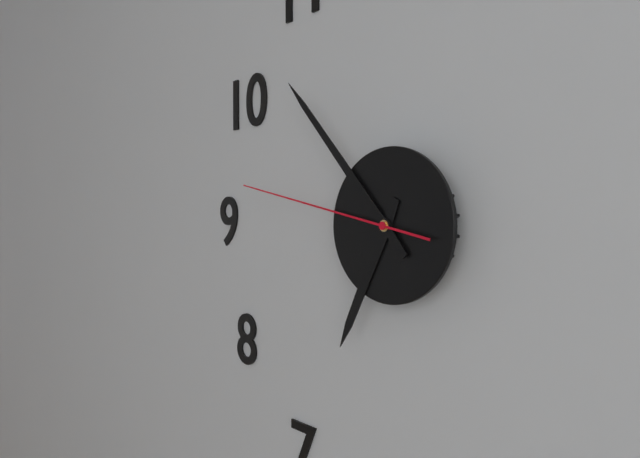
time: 6:53:47
